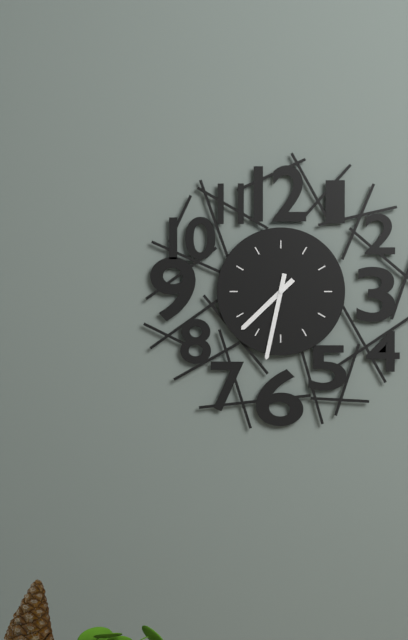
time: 7:32
